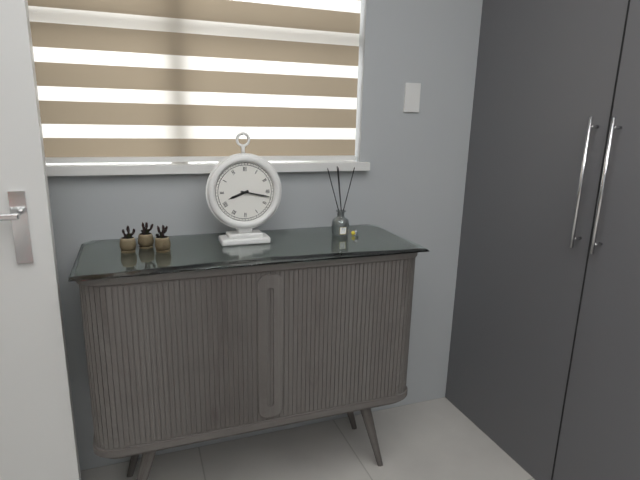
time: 8:17
